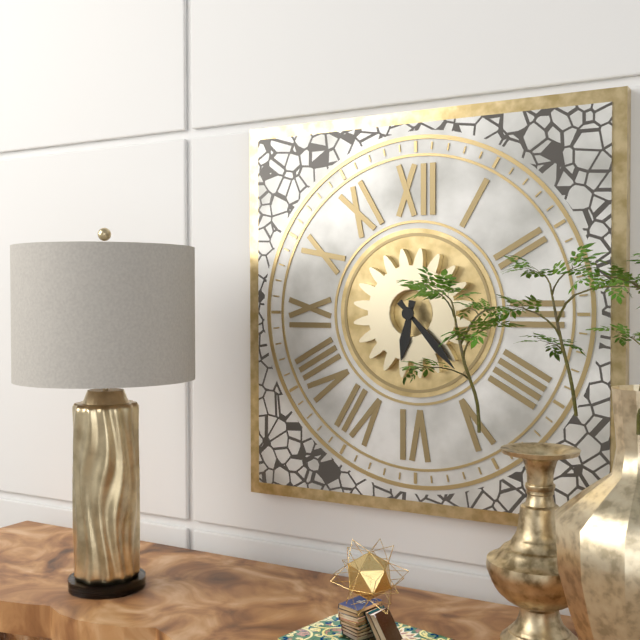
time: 6:23
